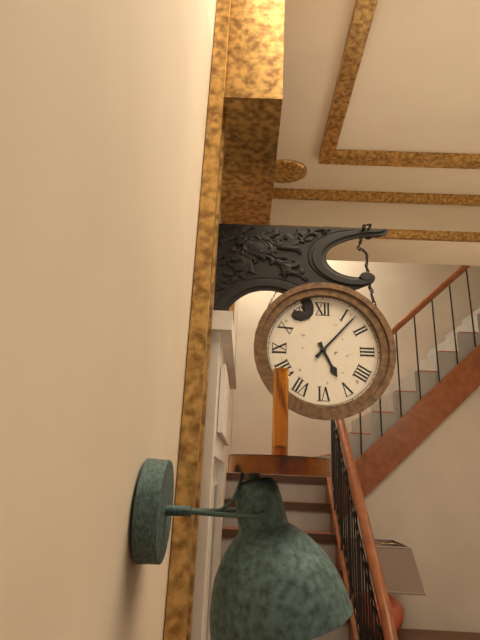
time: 5:07
